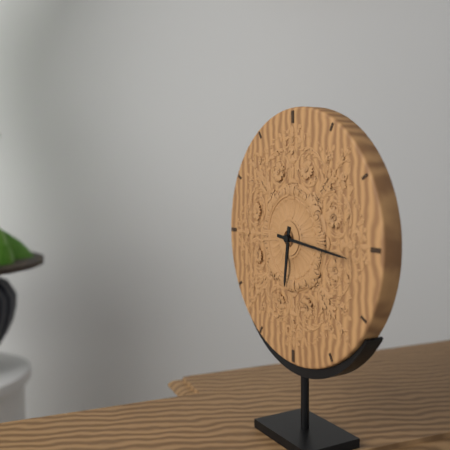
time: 6:16
